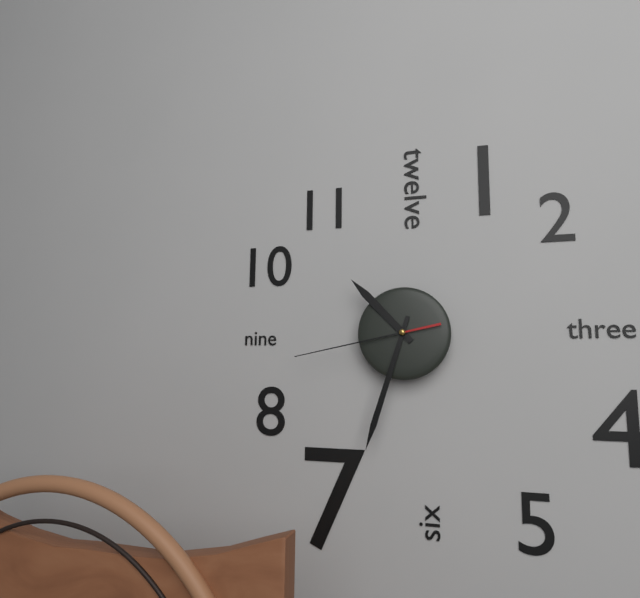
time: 10:33:43
